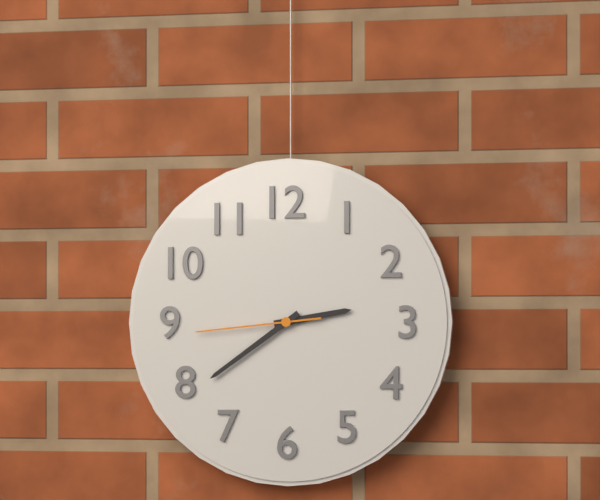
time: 2:39:44
